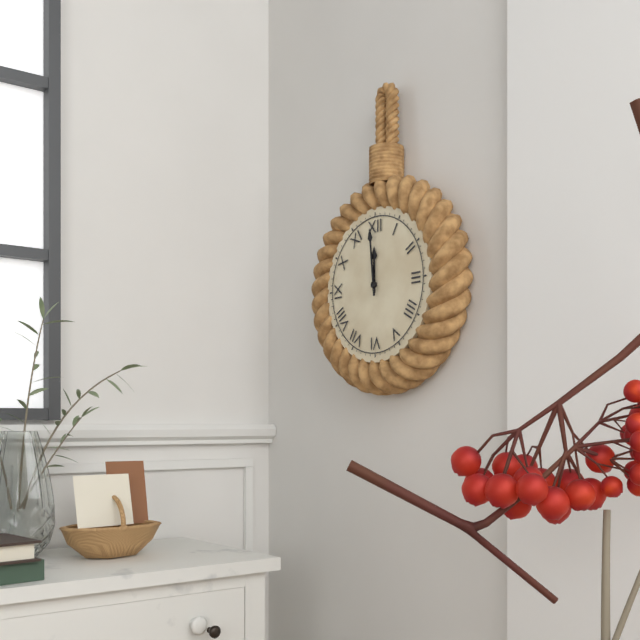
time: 11:59
